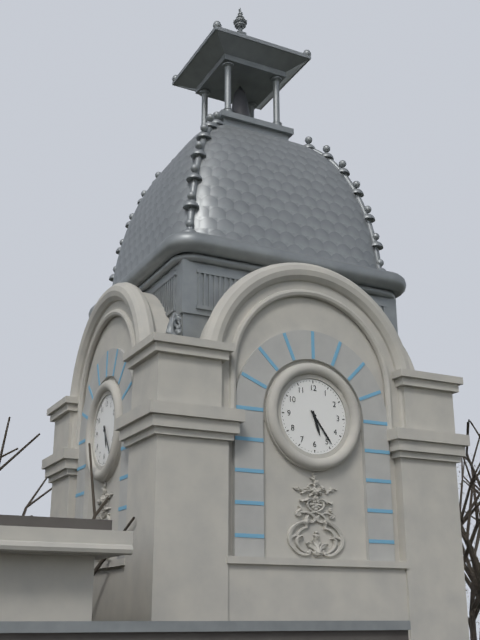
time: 5:24
